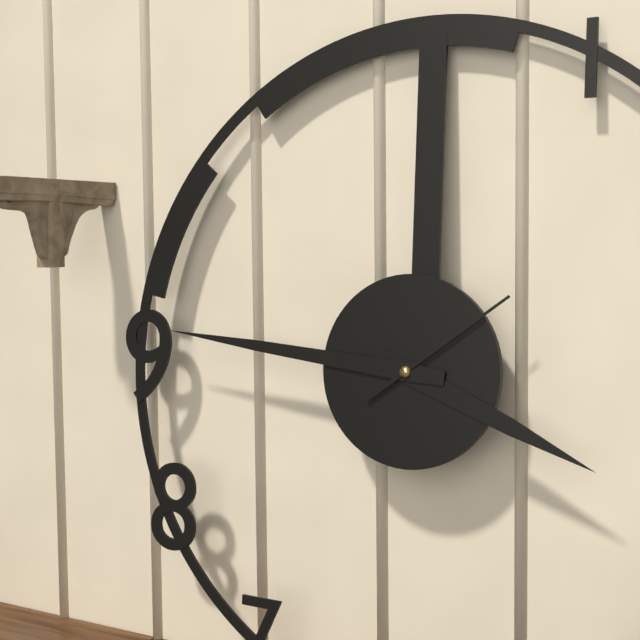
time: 3:46:09
